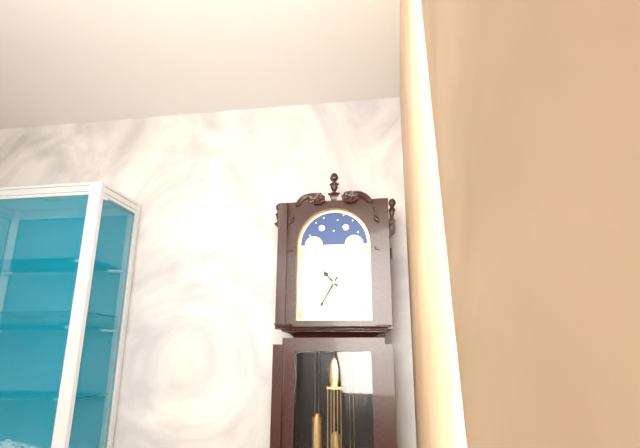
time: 10:35
